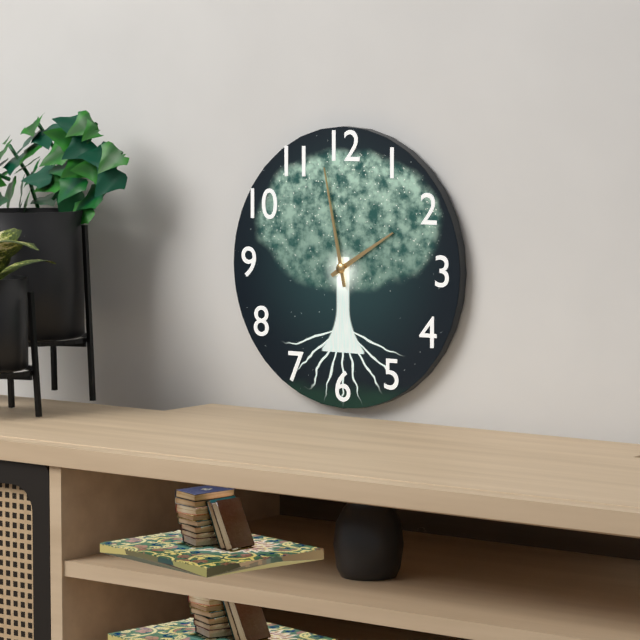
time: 1:58
